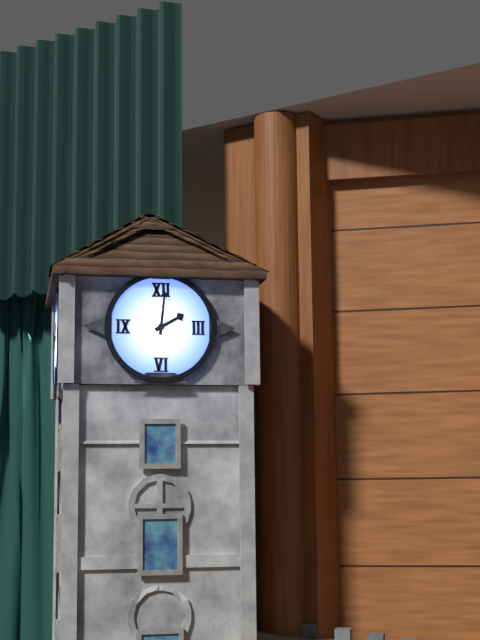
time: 2:01
